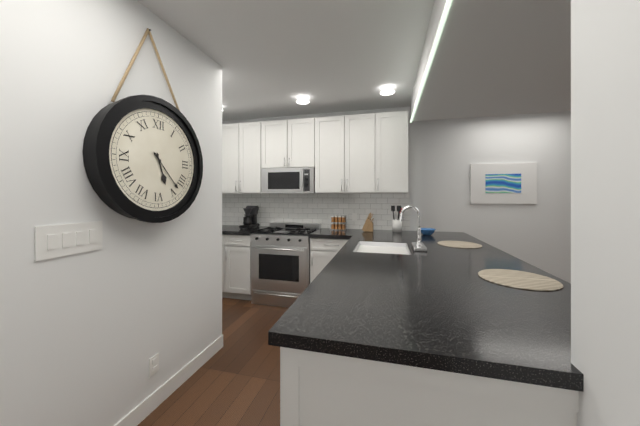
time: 5:23
